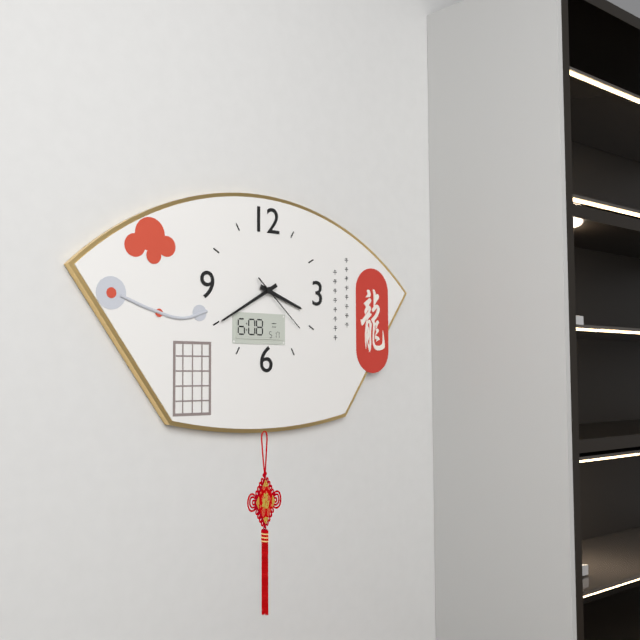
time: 3:40:22
